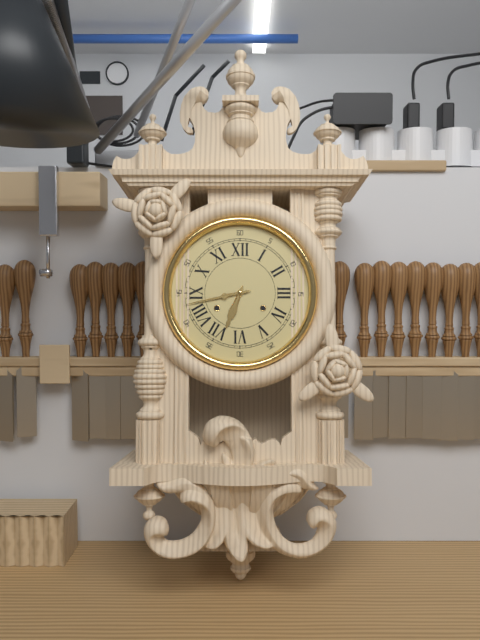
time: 6:43
